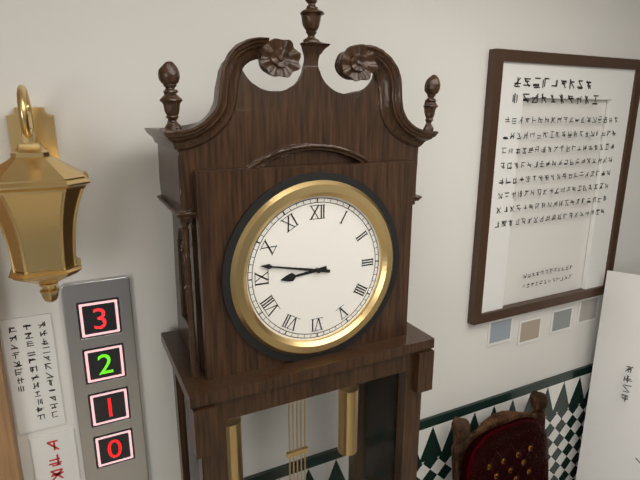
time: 8:47
